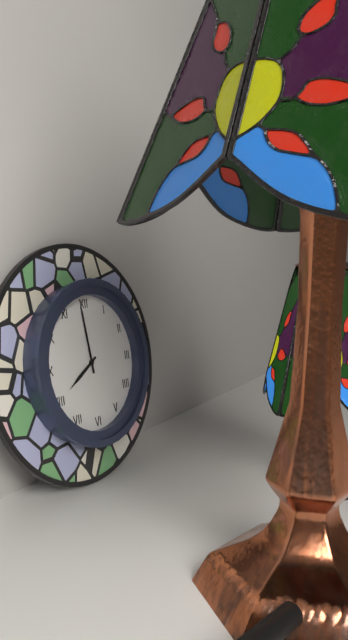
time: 7:59
